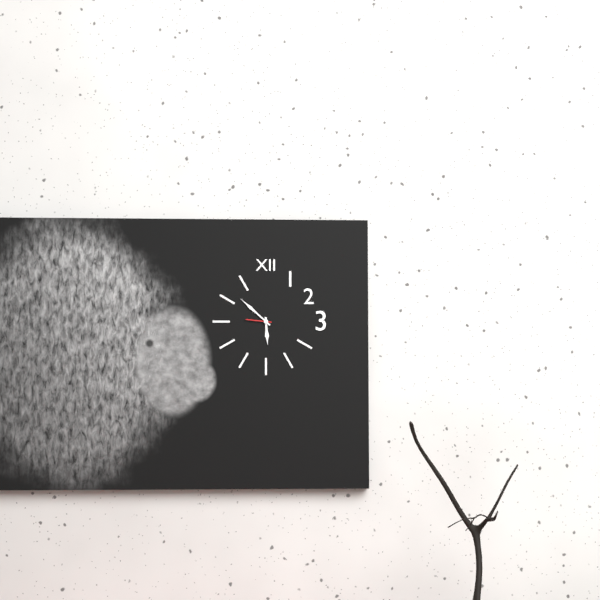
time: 5:52
